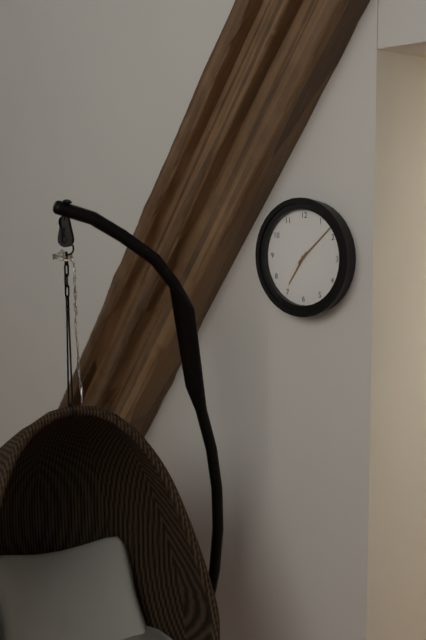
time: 7:08
